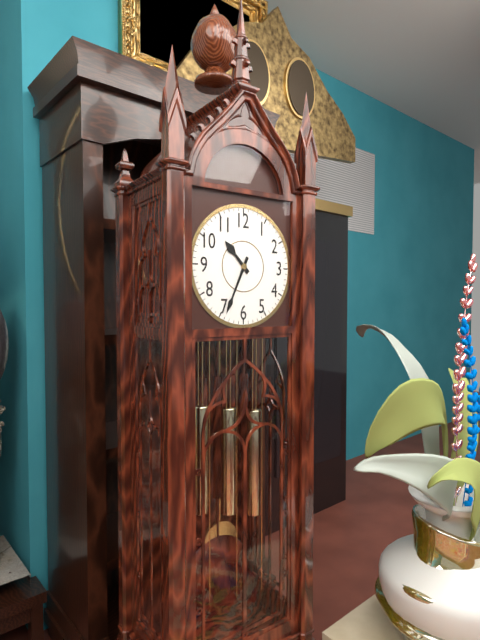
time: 10:34
